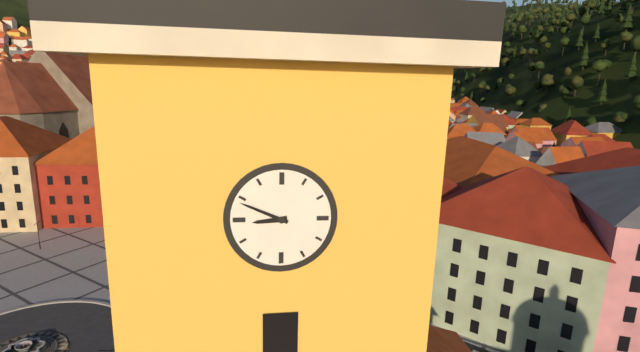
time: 8:49
